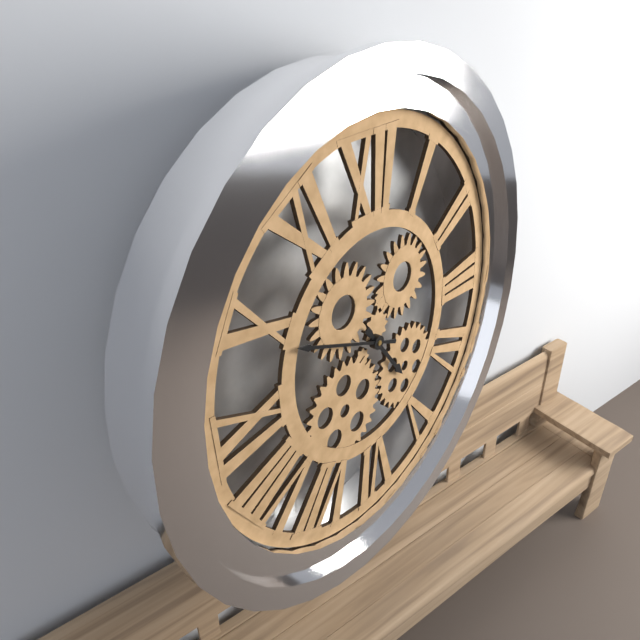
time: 4:49
